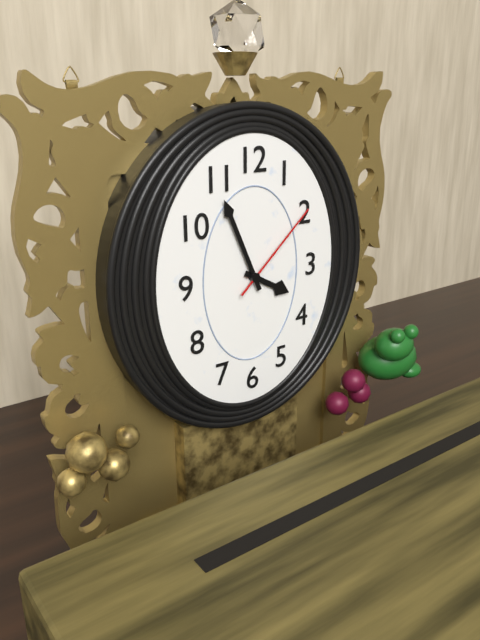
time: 3:56:08
